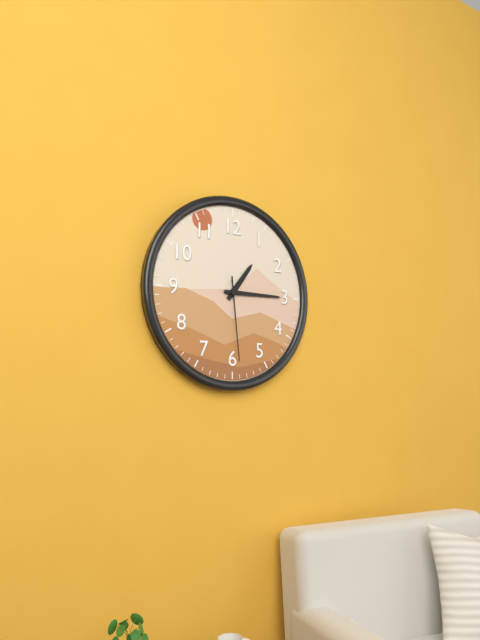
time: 1:15:29
